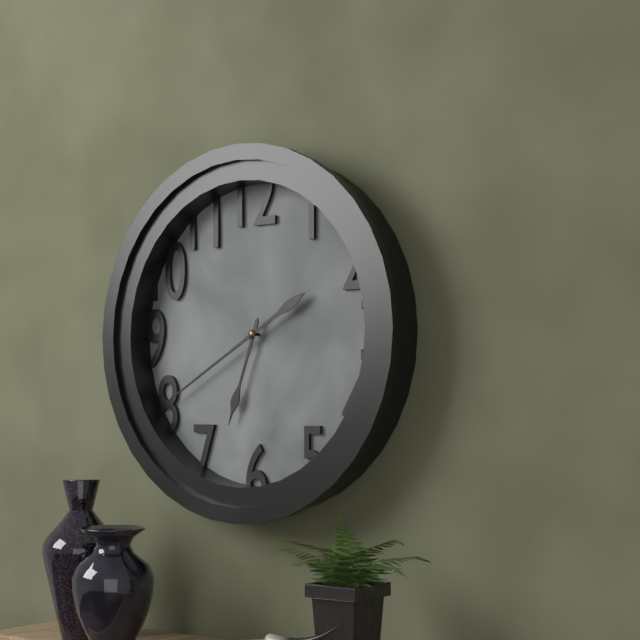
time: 6:40
